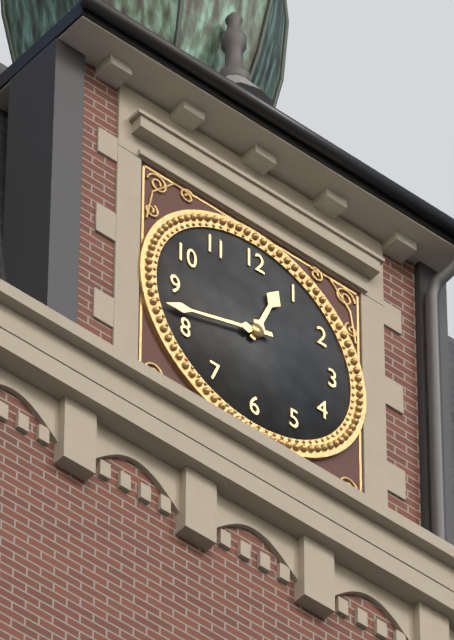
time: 12:42
